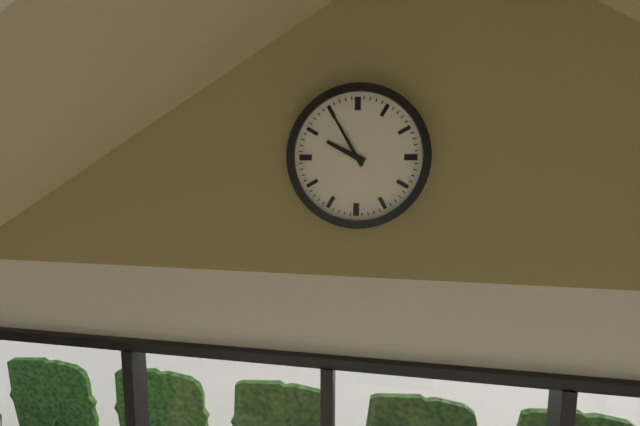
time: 9:55
